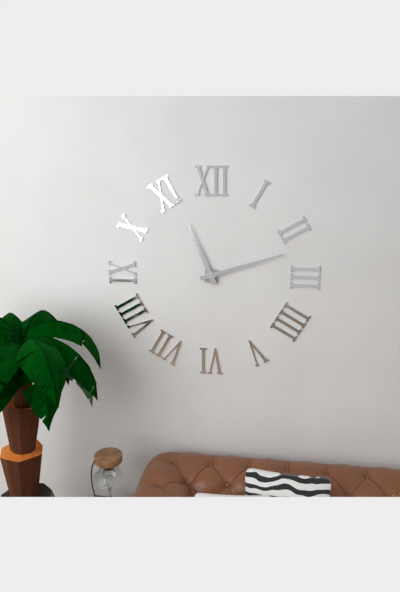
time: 11:12
